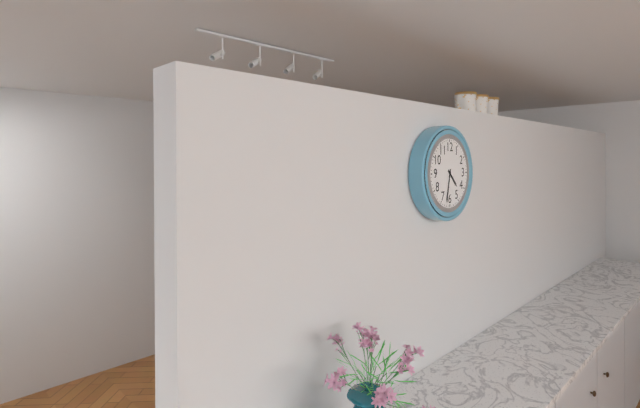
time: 4:32
